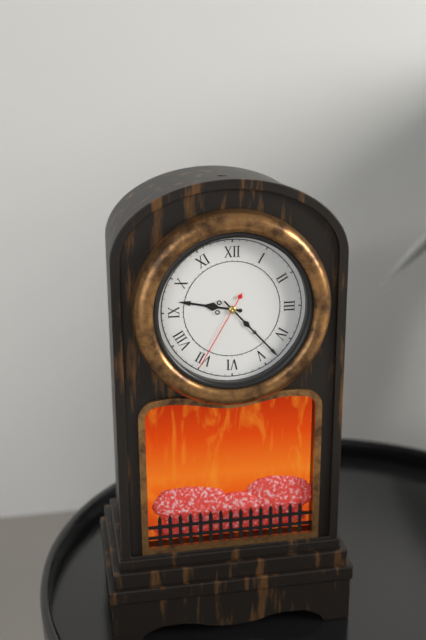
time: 9:23:35
